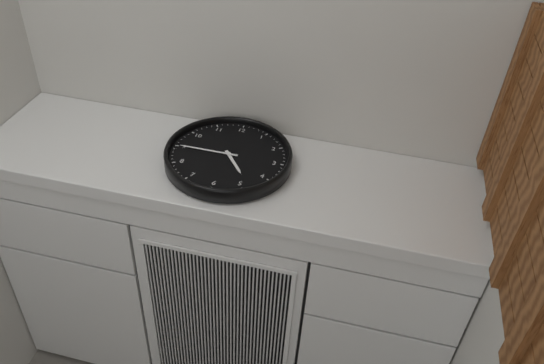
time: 4:45
